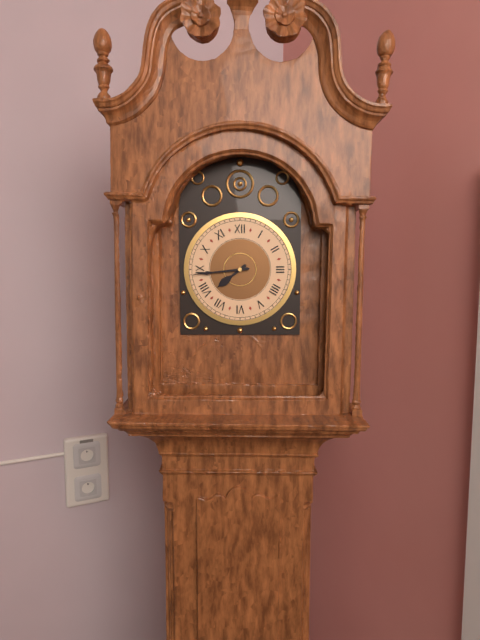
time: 7:44
